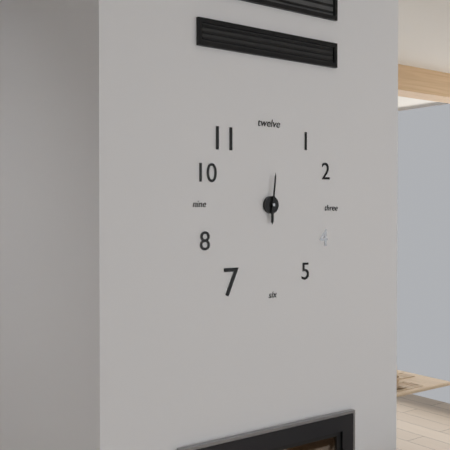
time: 6:01
